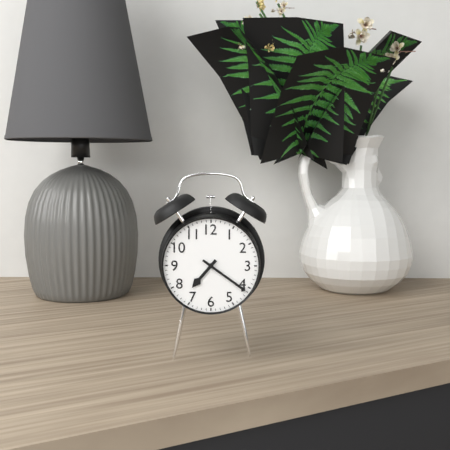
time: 7:21
